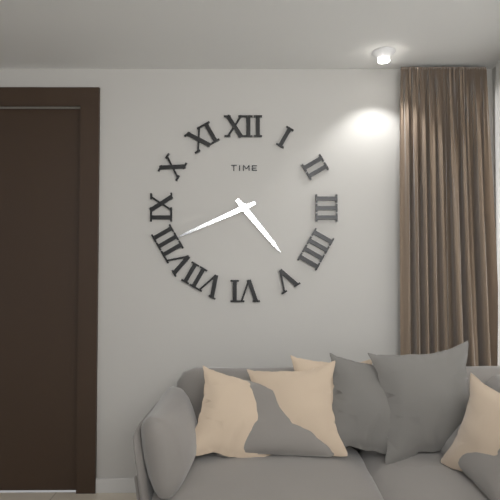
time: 4:41
